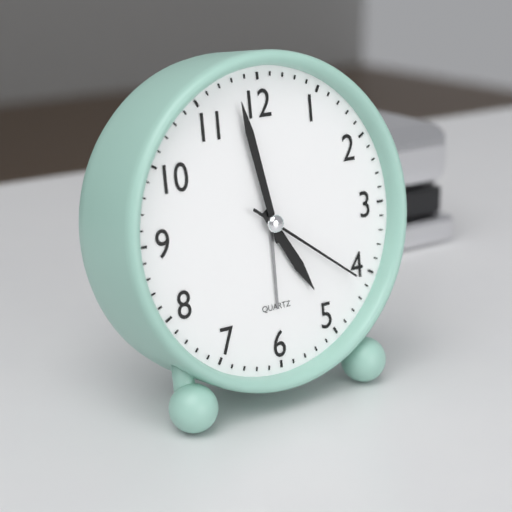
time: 4:58:21
